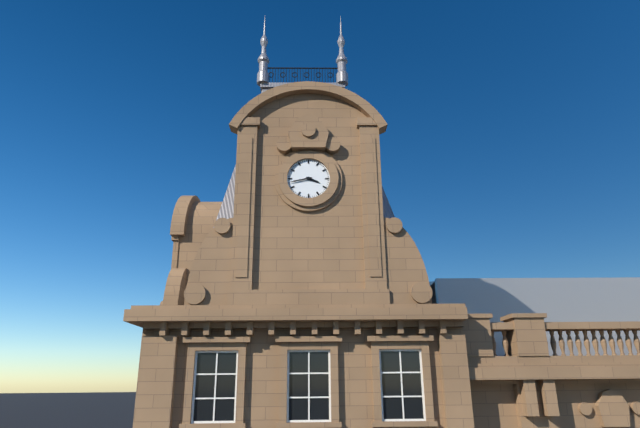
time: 3:43
